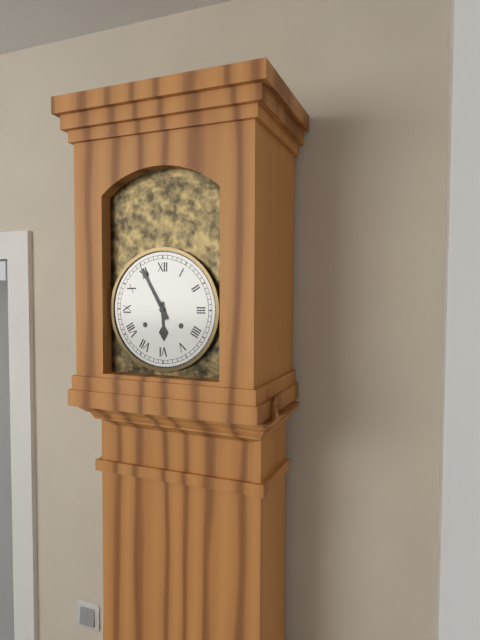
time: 5:55
